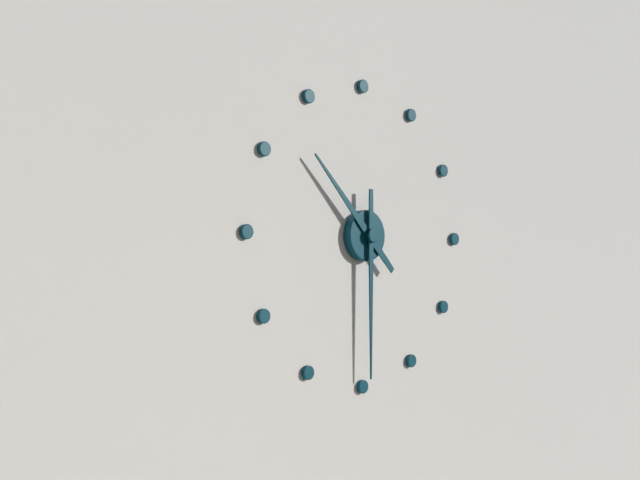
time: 10:30
